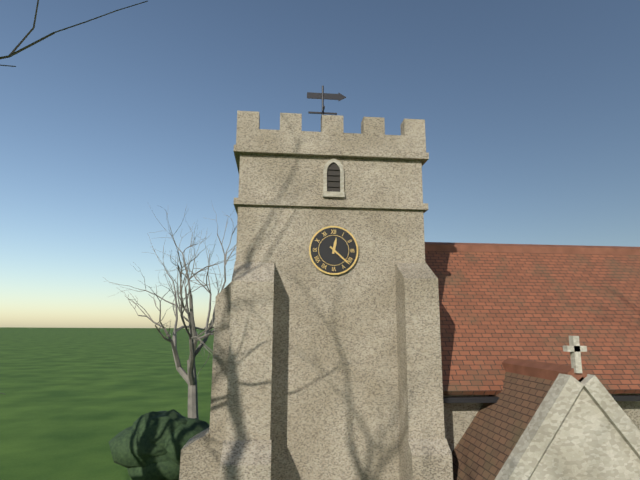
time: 12:22
